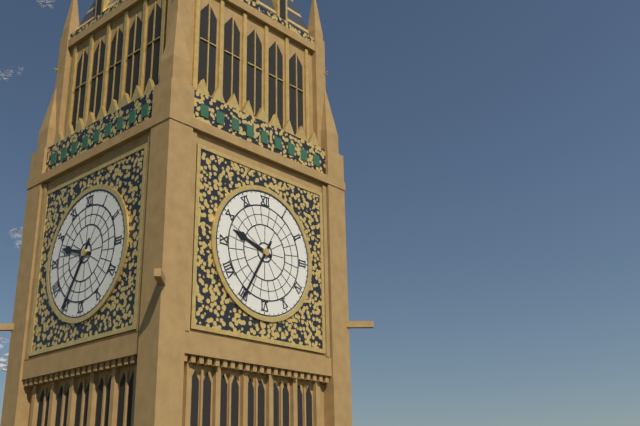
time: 9:35
